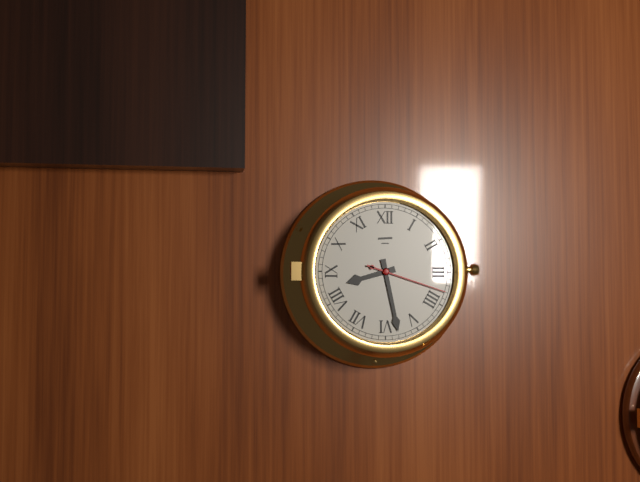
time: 8:28:18
